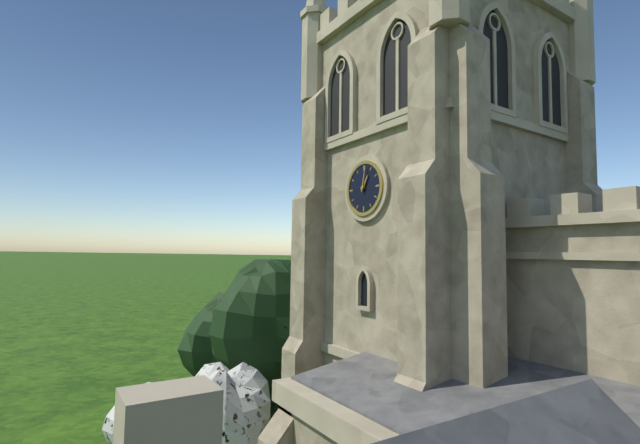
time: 1:02
